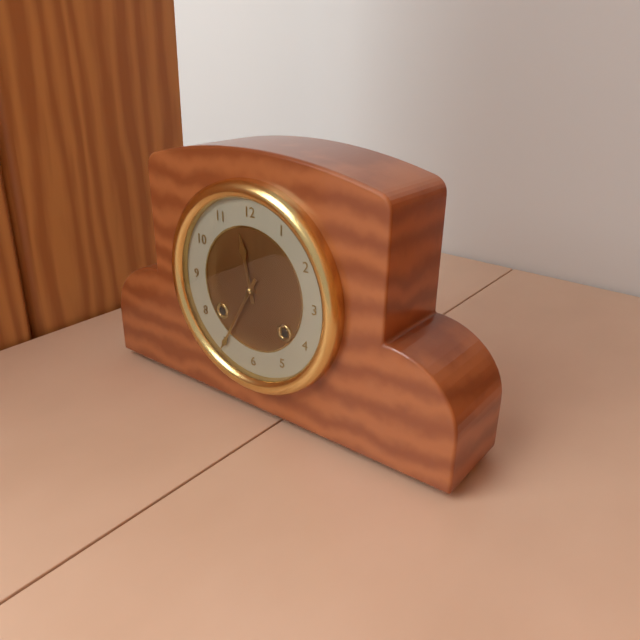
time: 11:35
